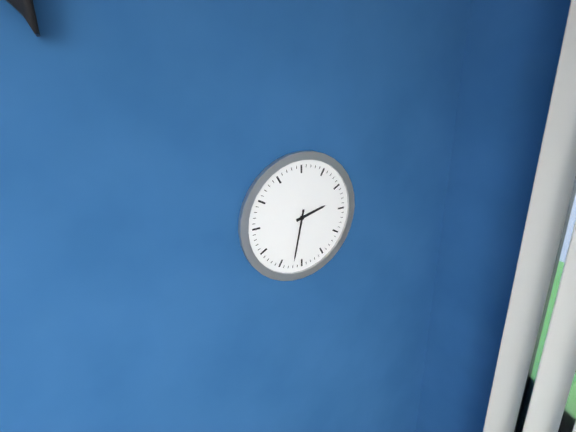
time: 2:32
